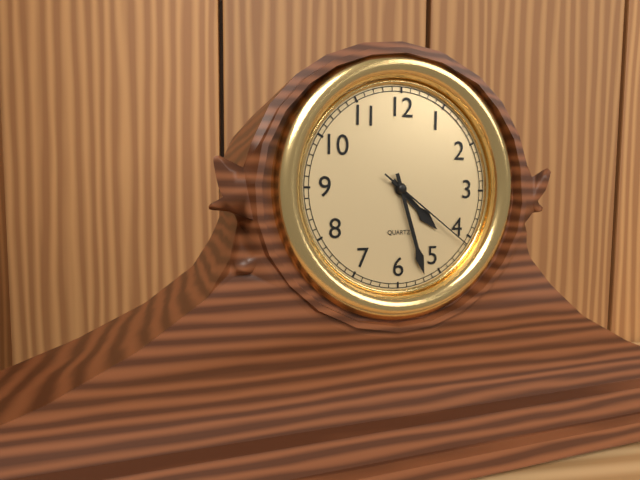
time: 4:27:21
